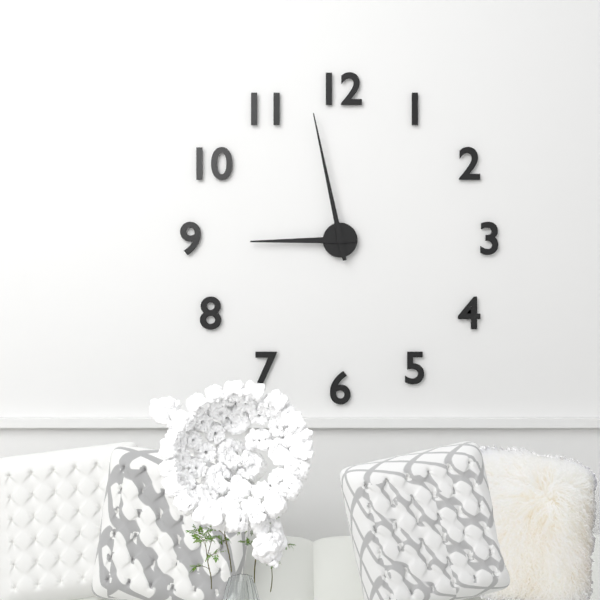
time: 8:58
